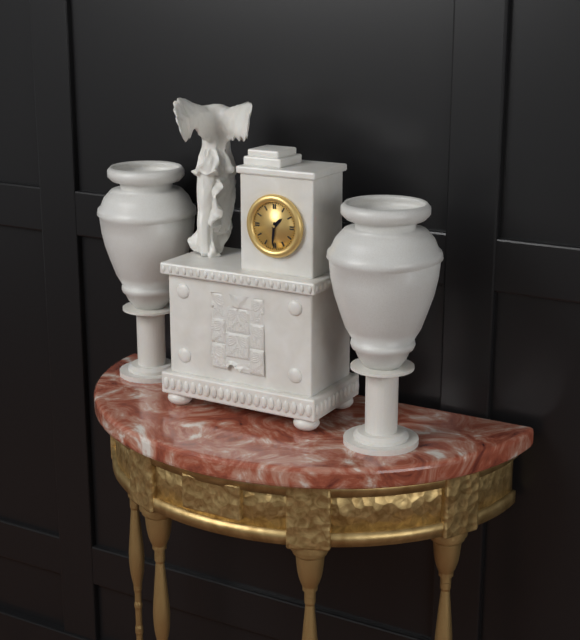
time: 1:31
